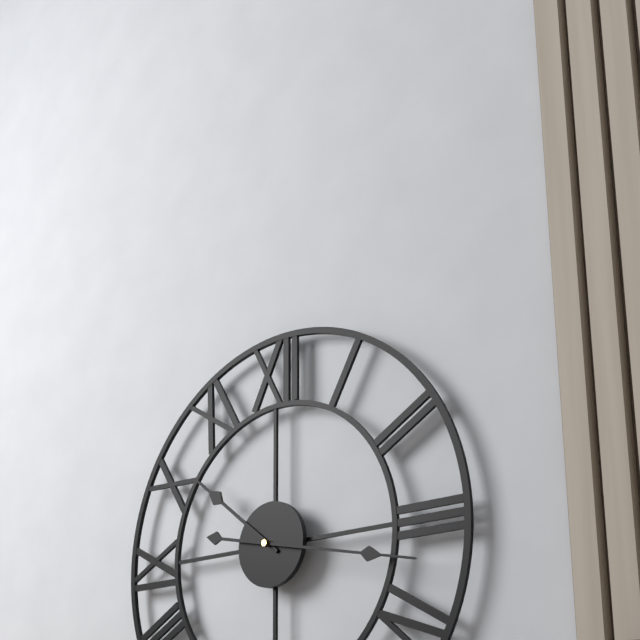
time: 10:17
